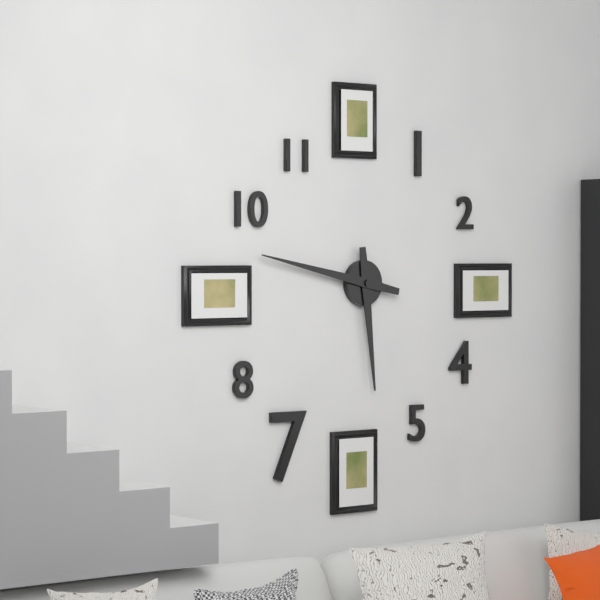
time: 5:47
